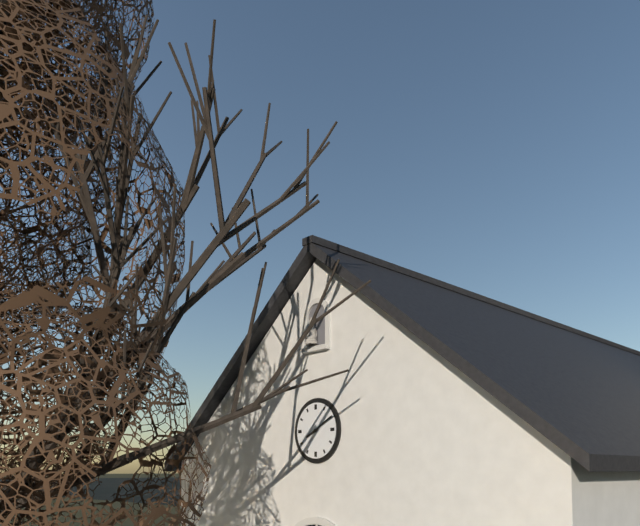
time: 8:10
